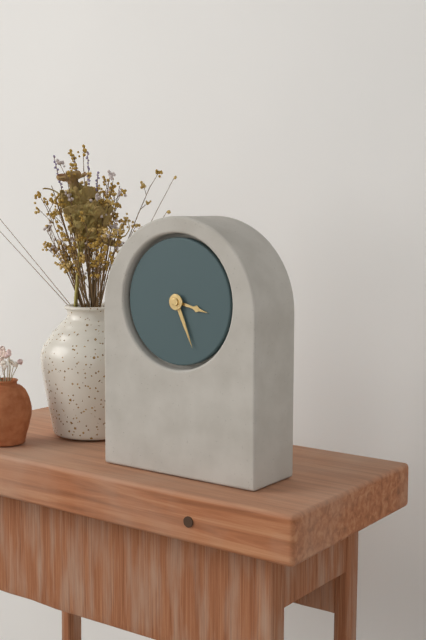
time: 3:26
